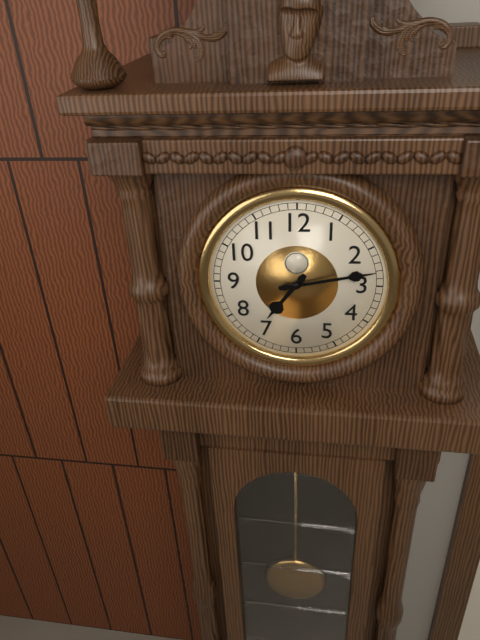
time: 7:13
